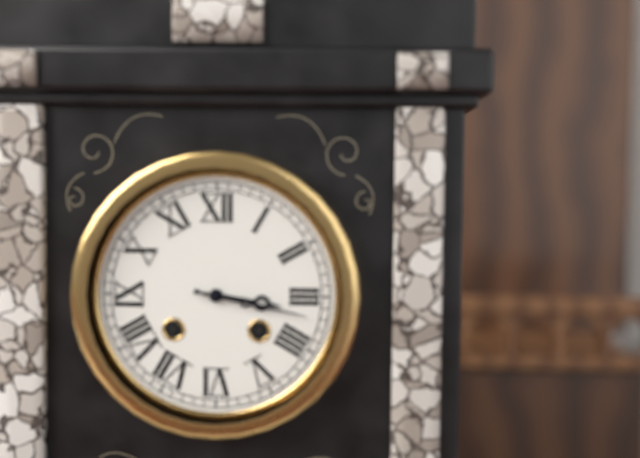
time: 3:17
